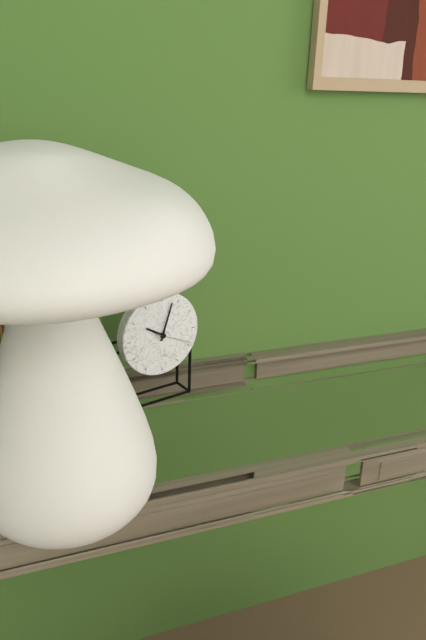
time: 10:03
